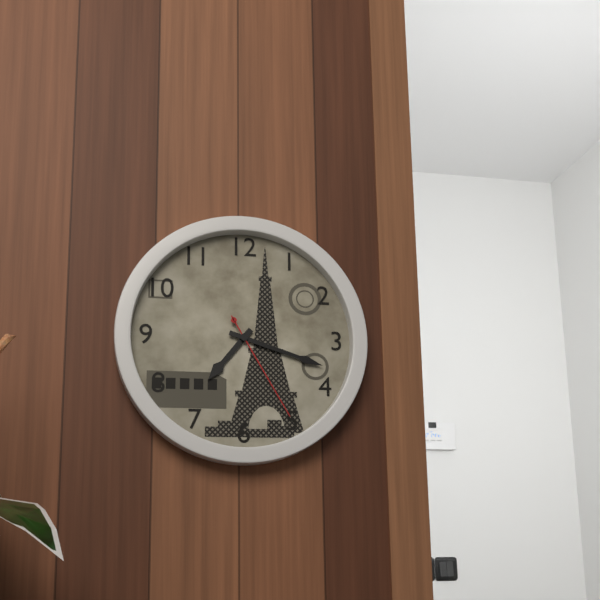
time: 7:18:25
